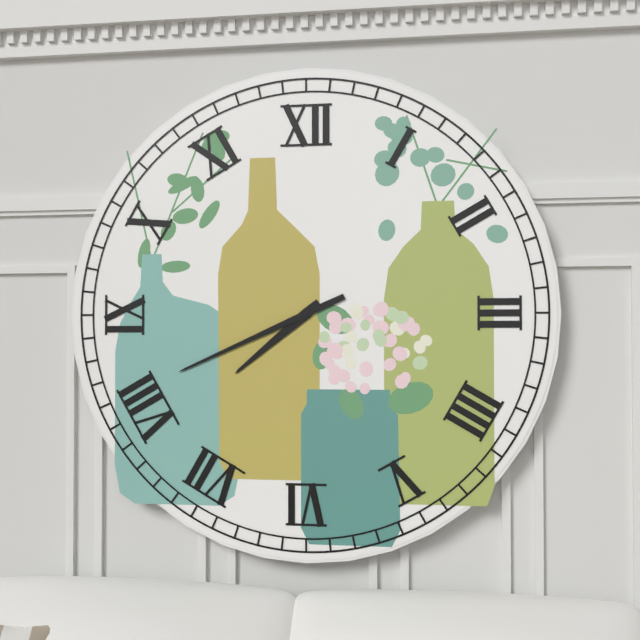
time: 7:41
